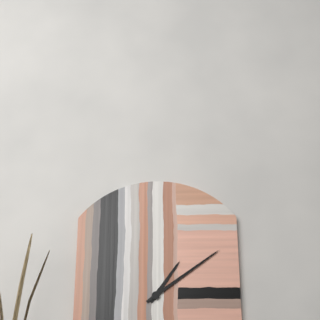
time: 1:09
